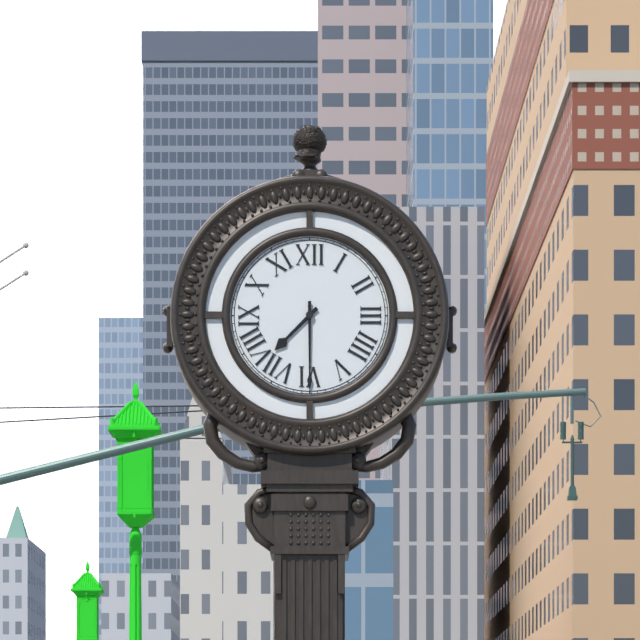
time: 7:30
